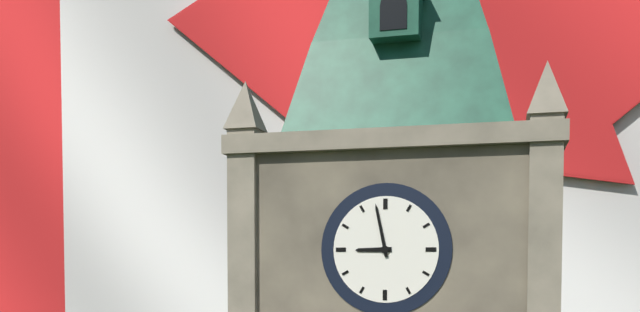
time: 8:58
